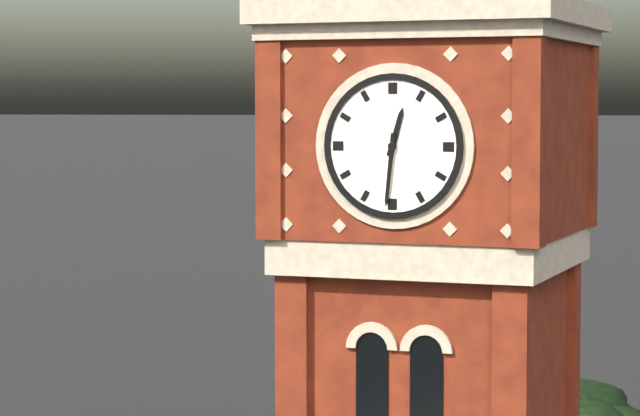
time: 12:31
